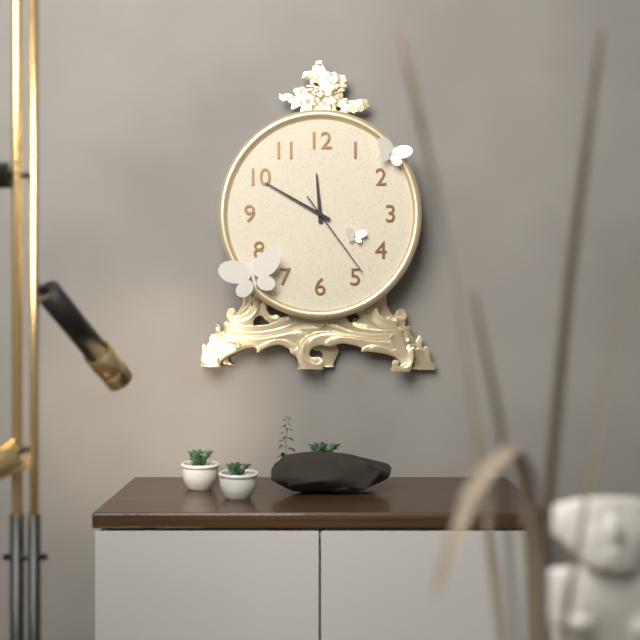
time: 11:50:24
